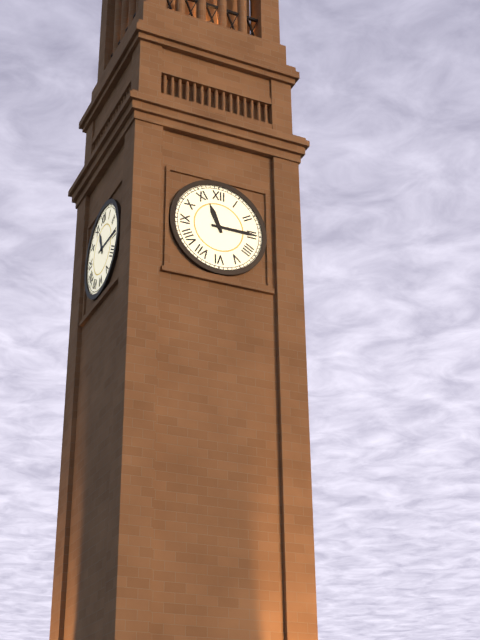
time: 11:15
